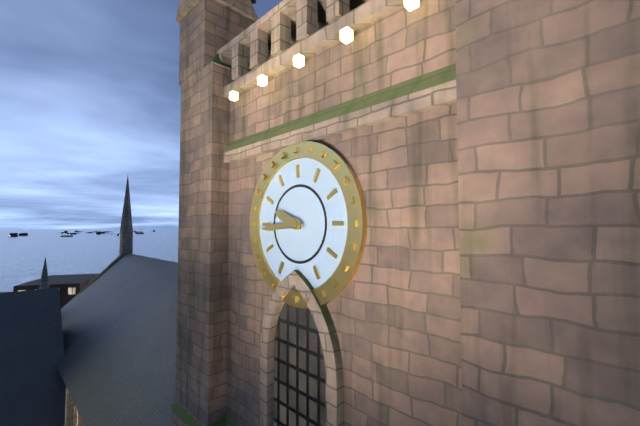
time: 9:44
